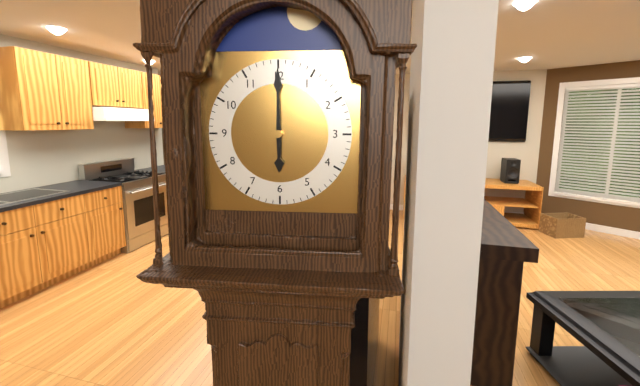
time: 6:00
